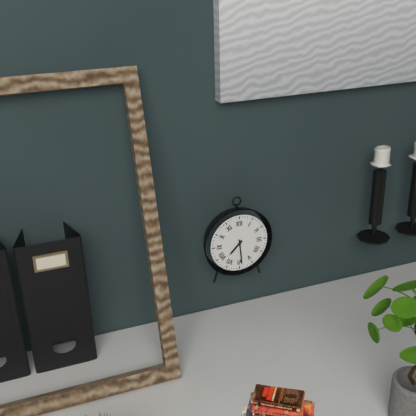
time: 7:29
